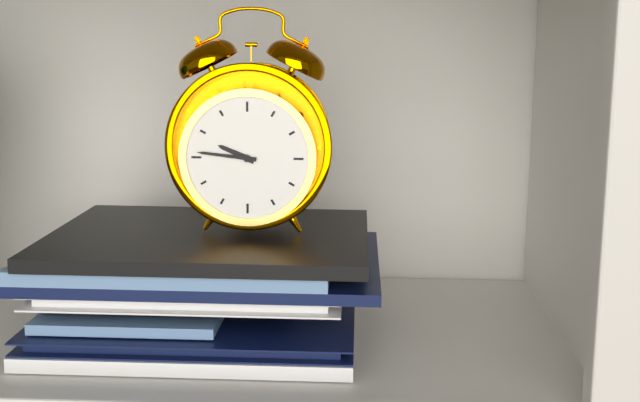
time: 9:46
